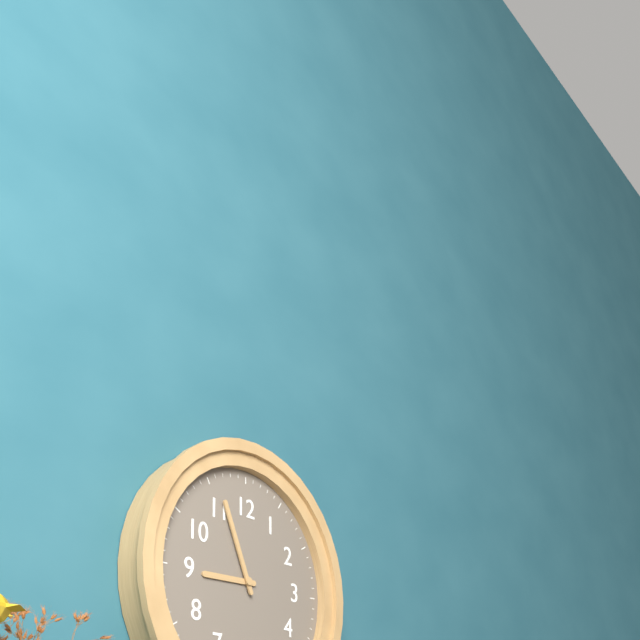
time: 8:56
